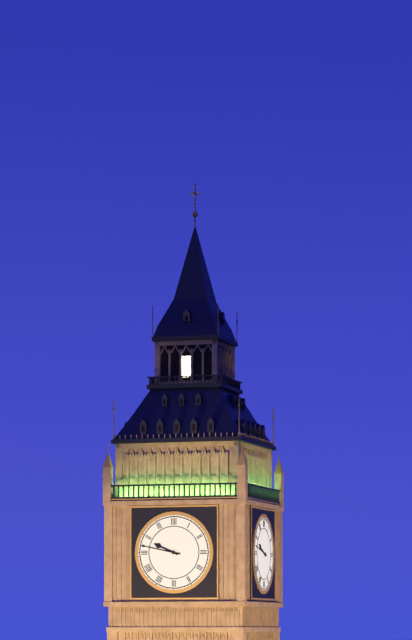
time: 9:47
